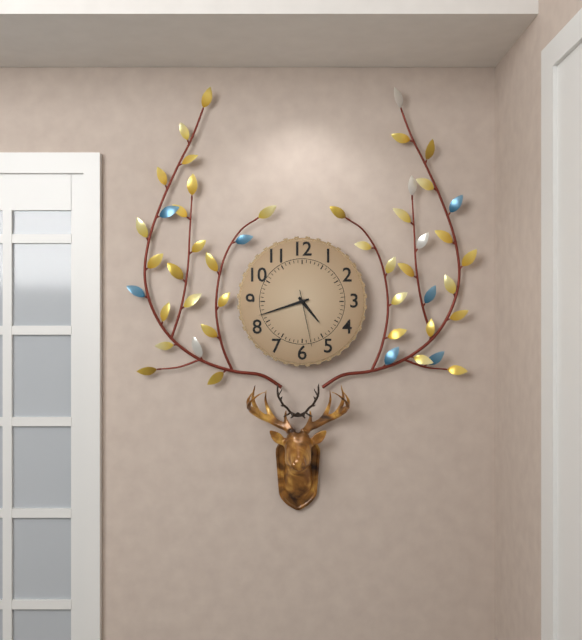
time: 4:42:28
